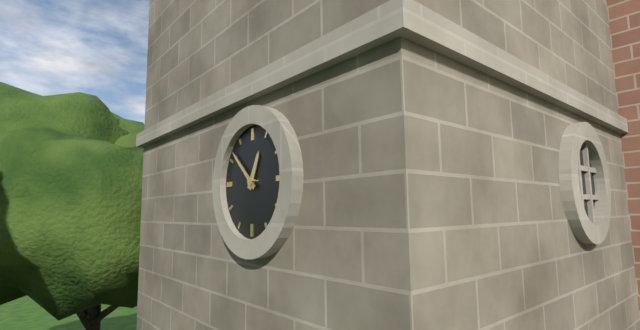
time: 12:52
